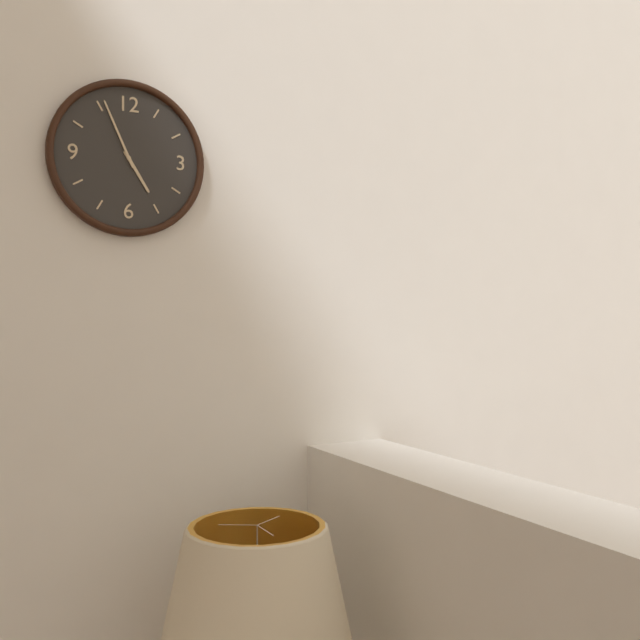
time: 4:56
